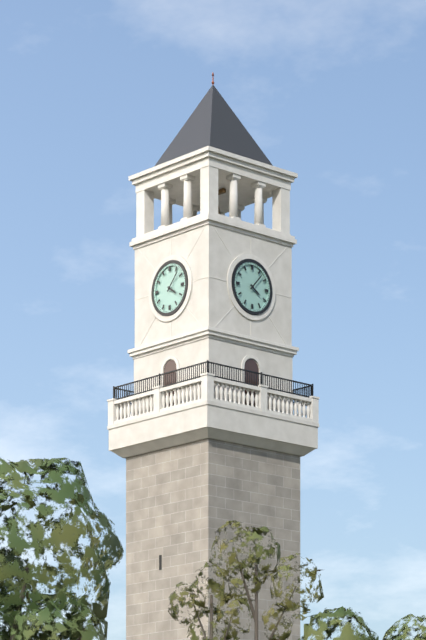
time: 4:07
